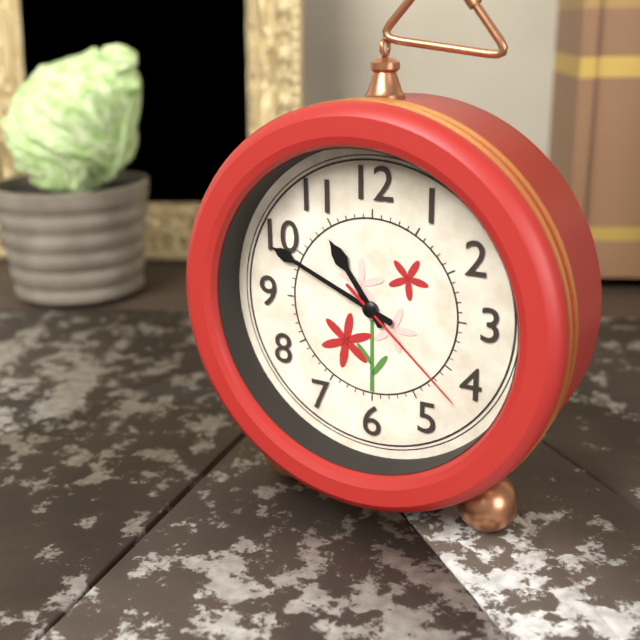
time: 10:49:22
